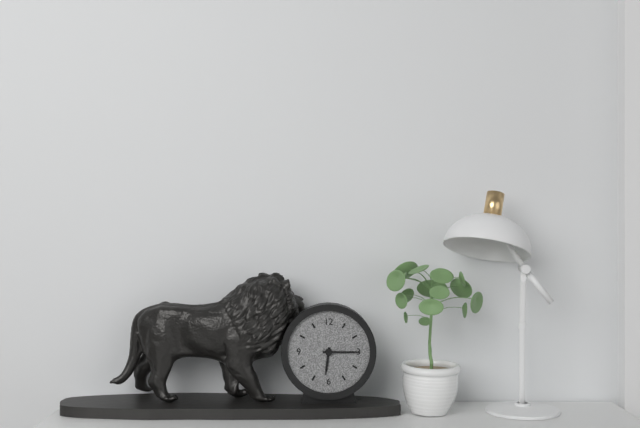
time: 6:15
